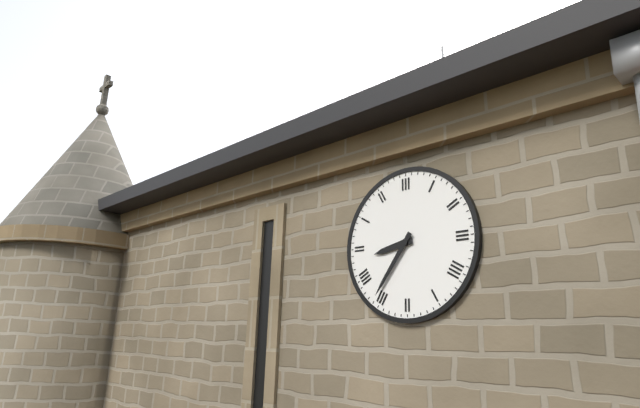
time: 8:36
